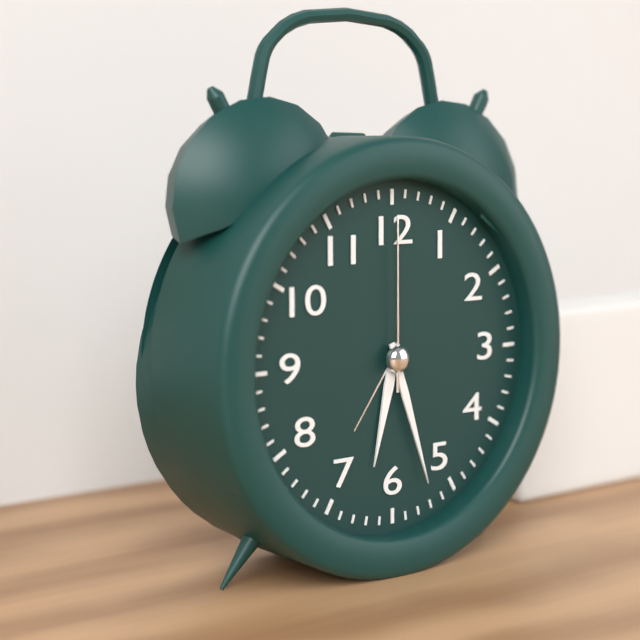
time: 6:27:00
